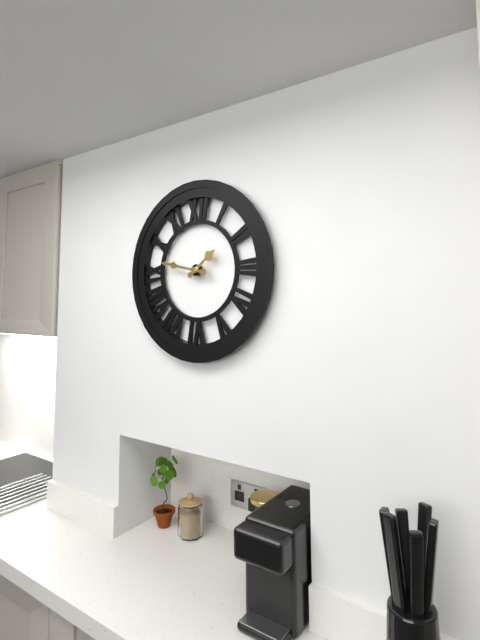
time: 1:47
